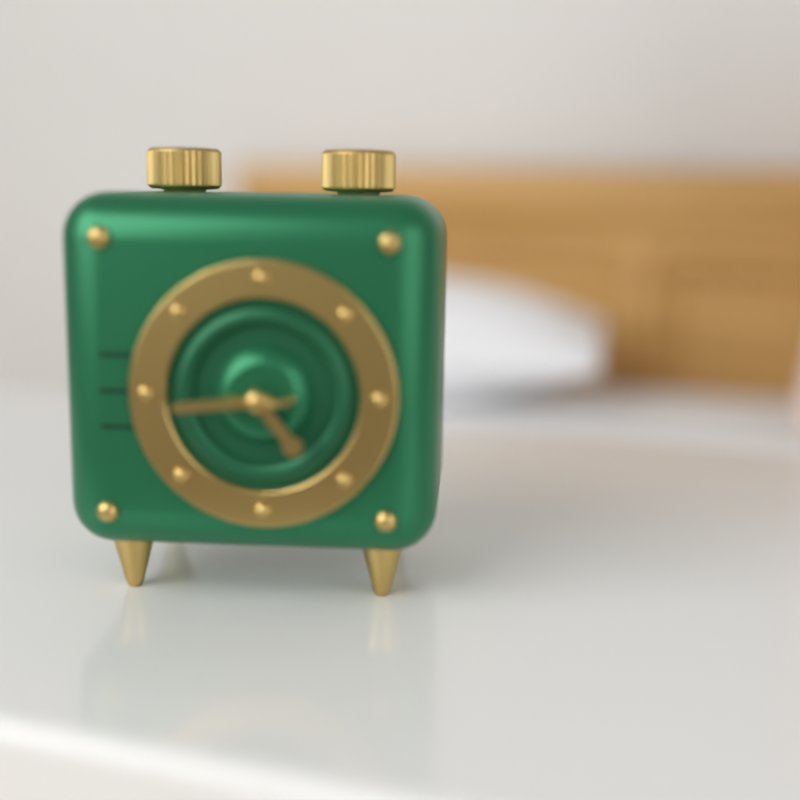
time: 4:44
